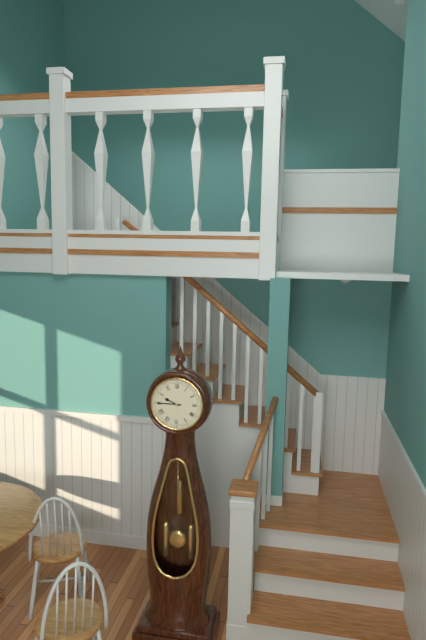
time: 9:45
